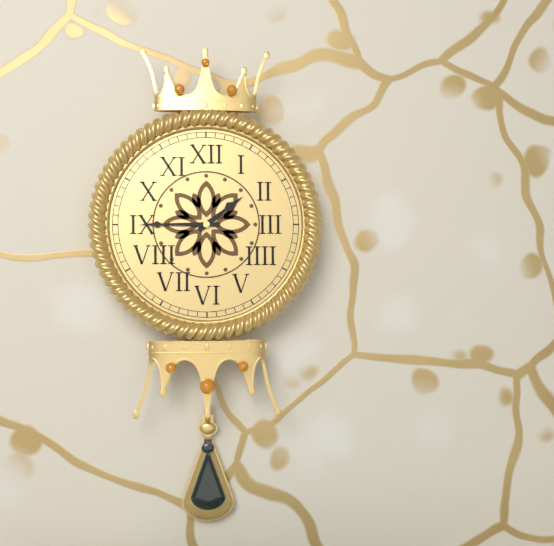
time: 1:45
